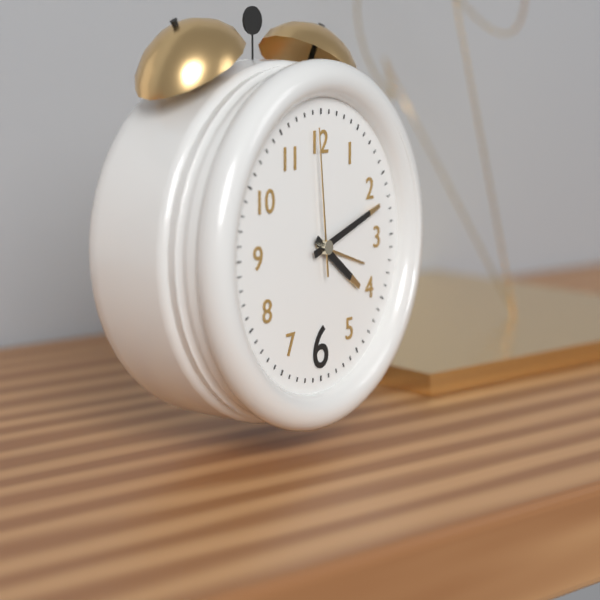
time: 4:12:59
